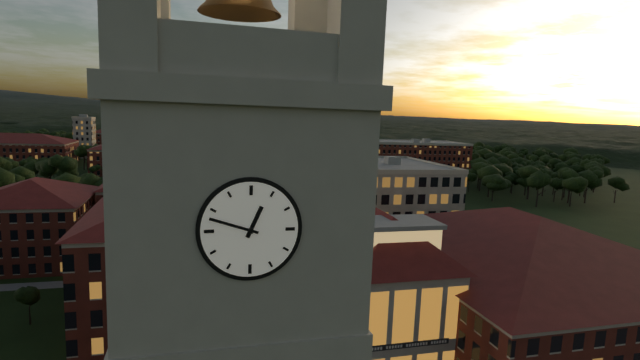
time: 12:48
